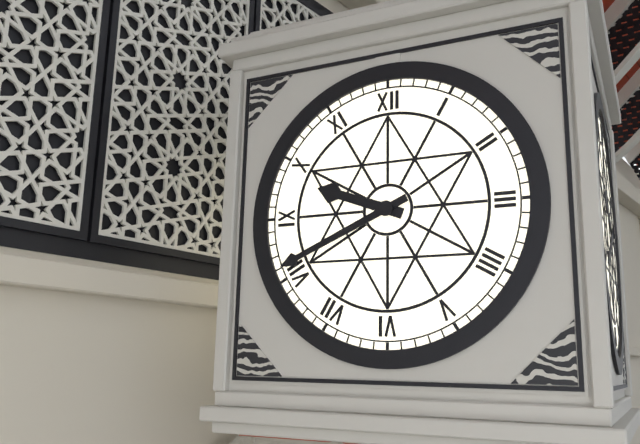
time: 9:41
